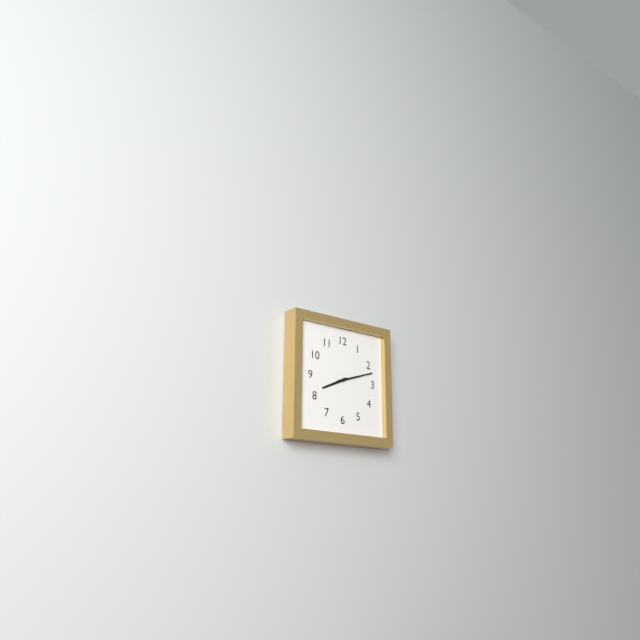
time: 8:12
